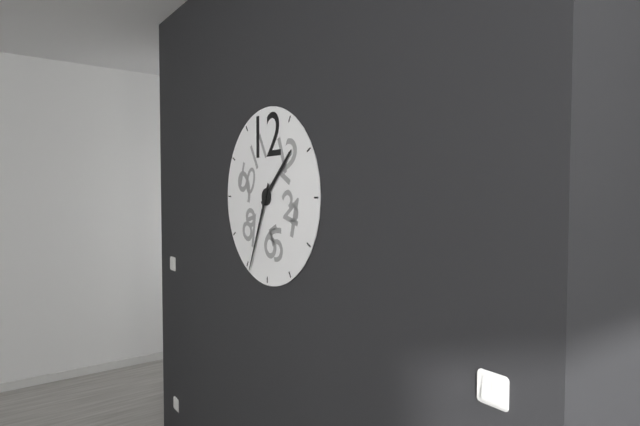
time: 1:34
